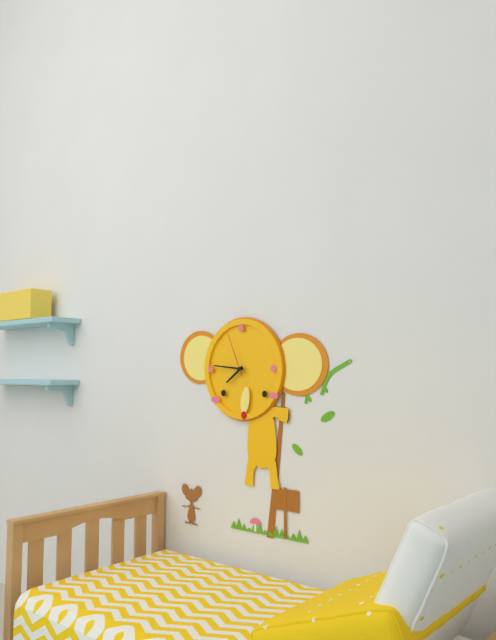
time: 7:46
